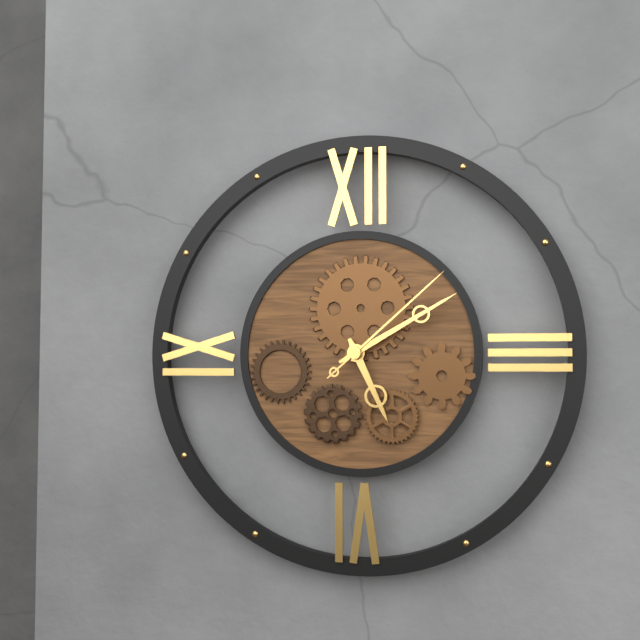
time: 5:10:08
